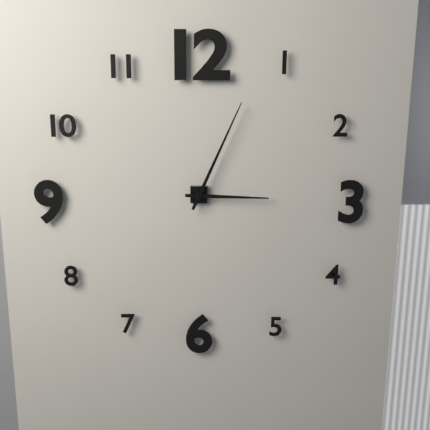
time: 3:04
